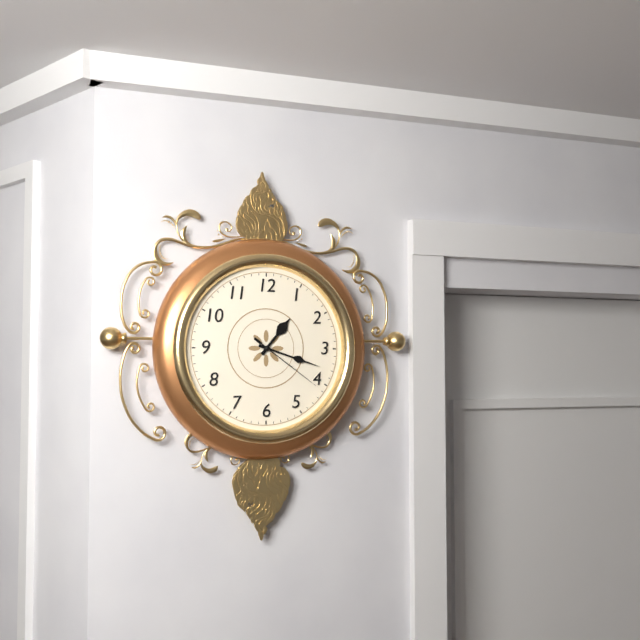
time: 1:18:21
